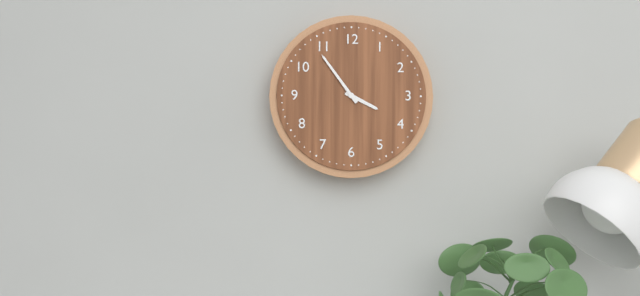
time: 3:54
